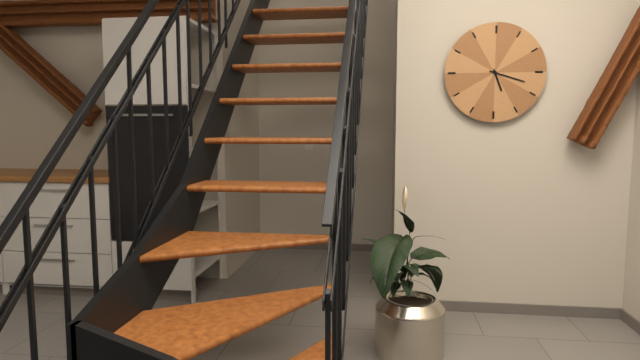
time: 5:18
